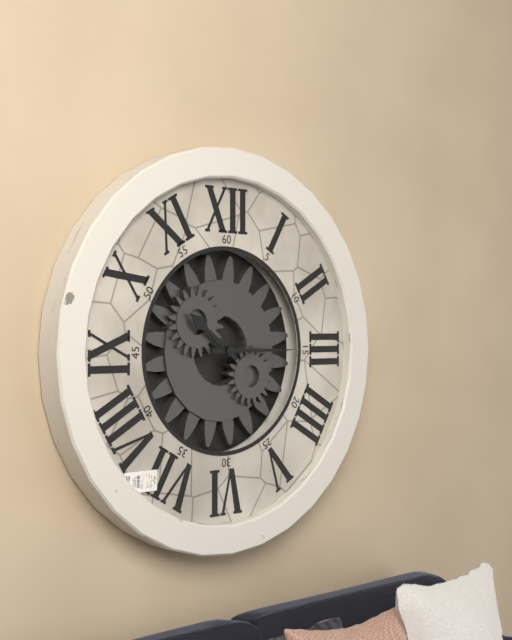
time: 10:15
